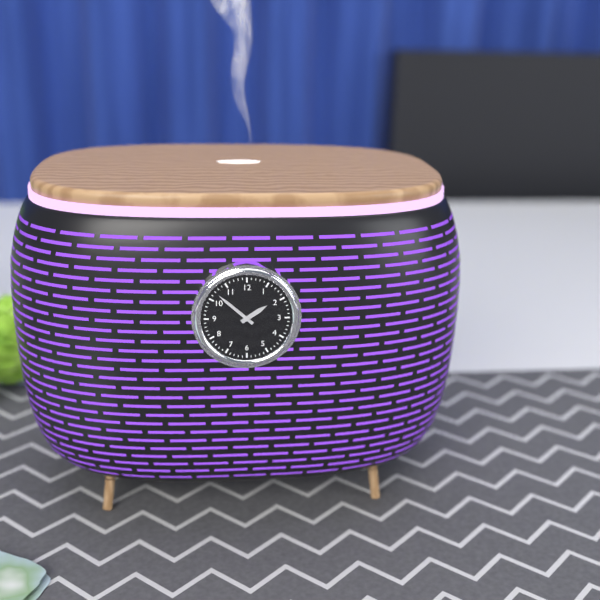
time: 1:52
